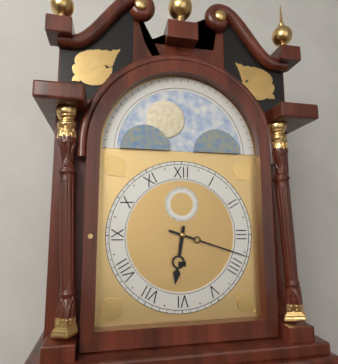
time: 6:18
